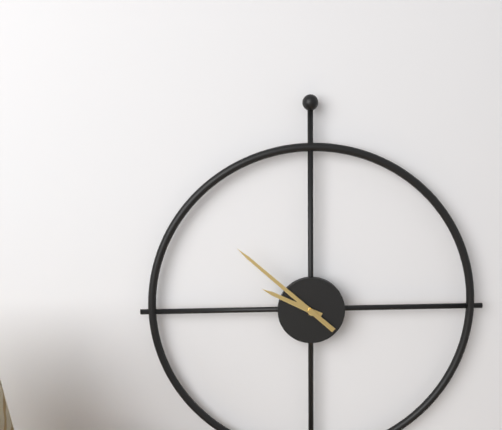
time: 9:52
